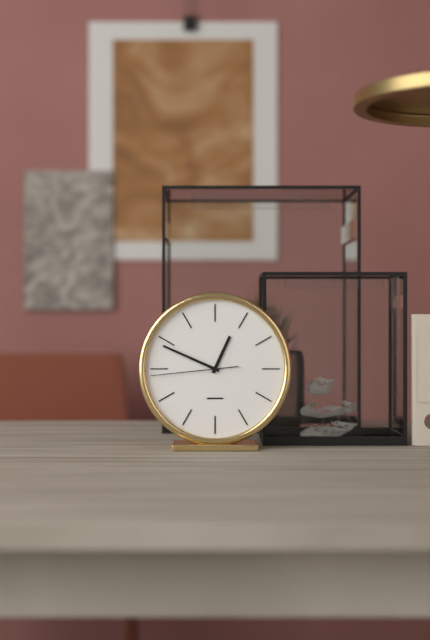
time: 12:49:44
